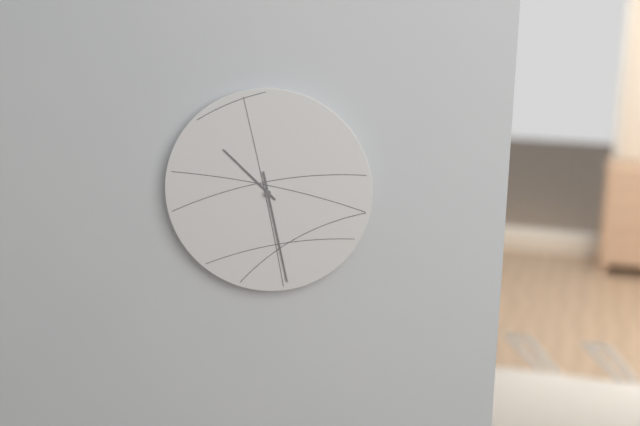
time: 10:28
